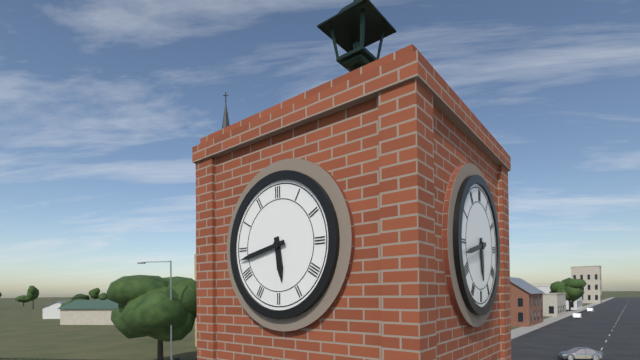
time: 5:43
